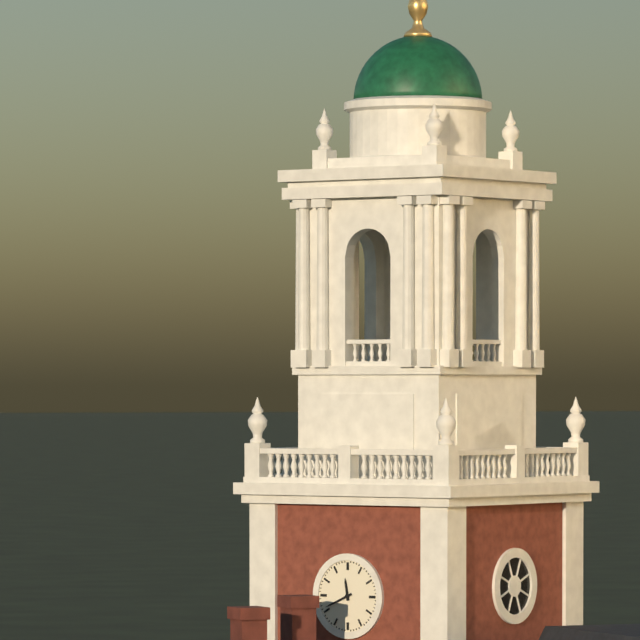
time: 11:41
